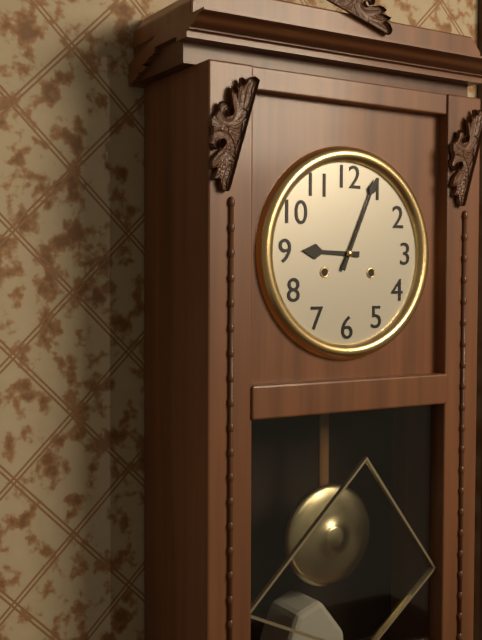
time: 9:04
